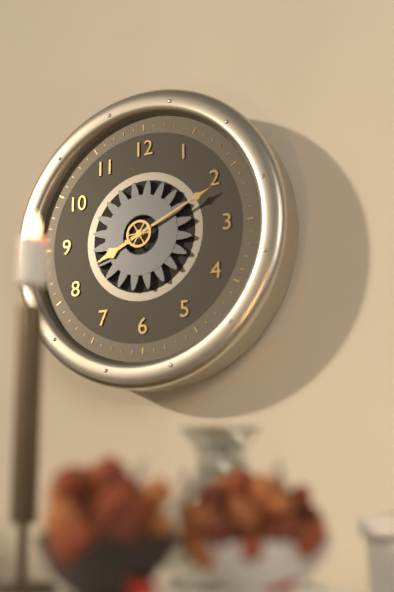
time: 8:11
